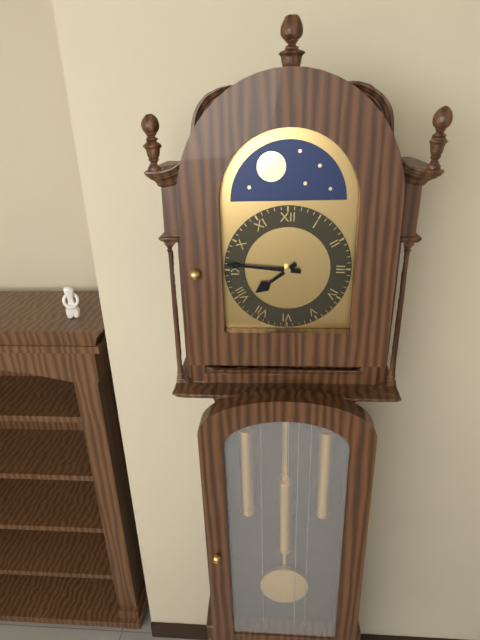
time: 7:46
